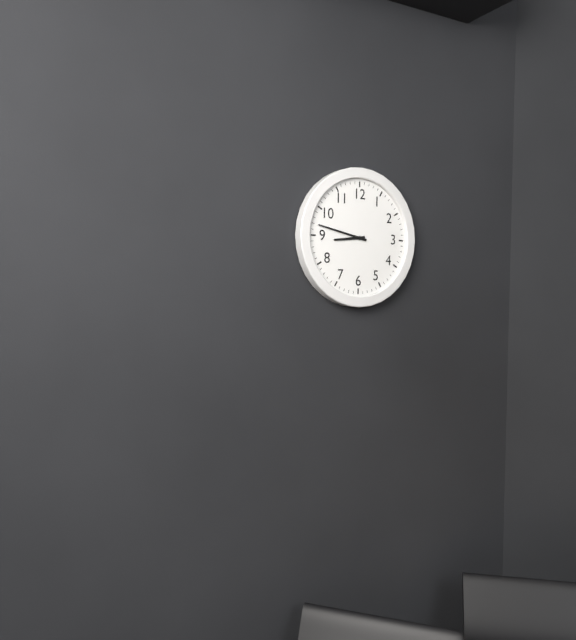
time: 8:47
